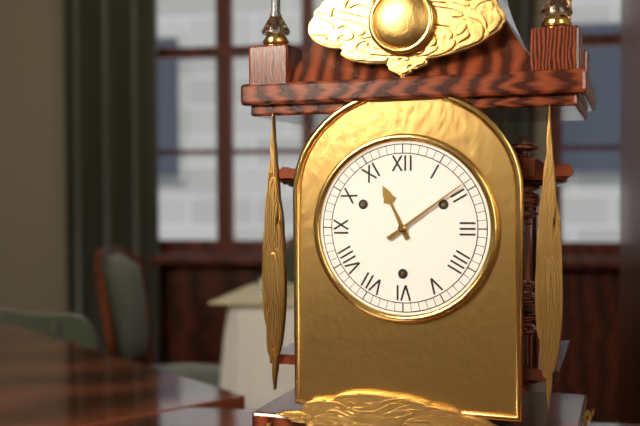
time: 11:09
